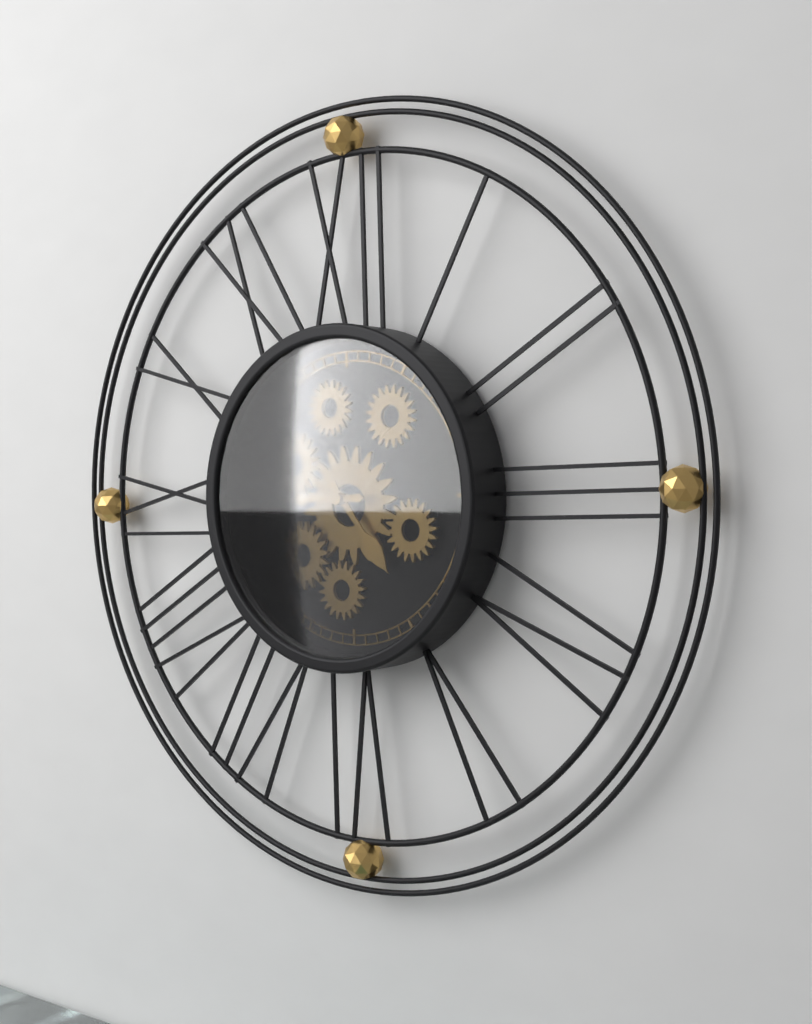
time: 4:45
